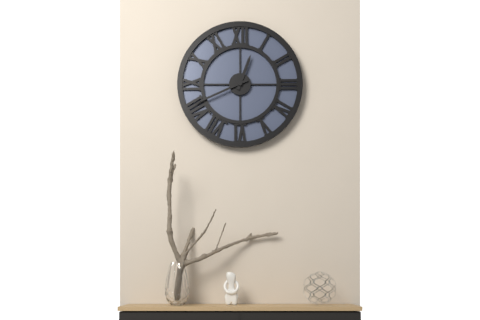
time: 12:41
